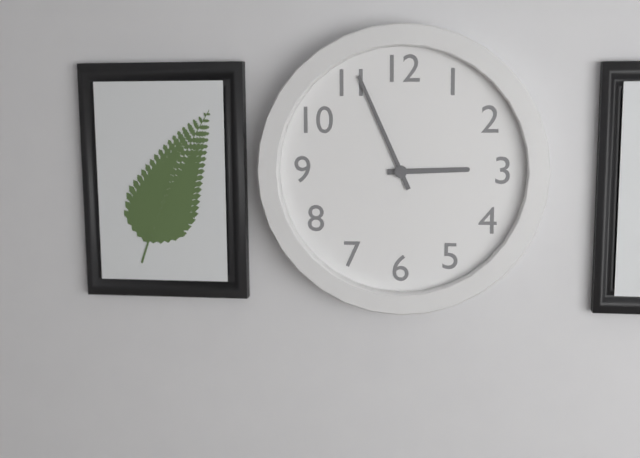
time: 2:56
